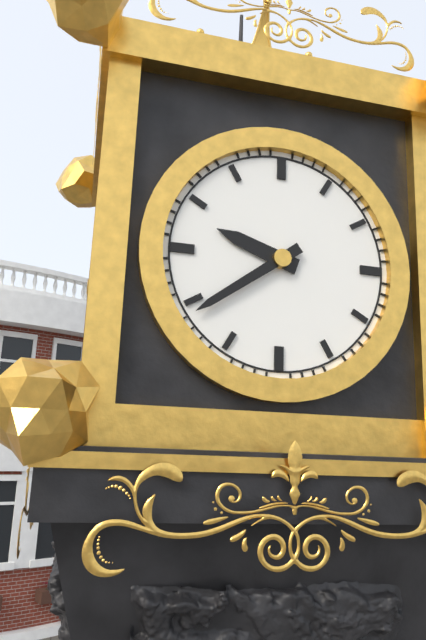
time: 9:39
